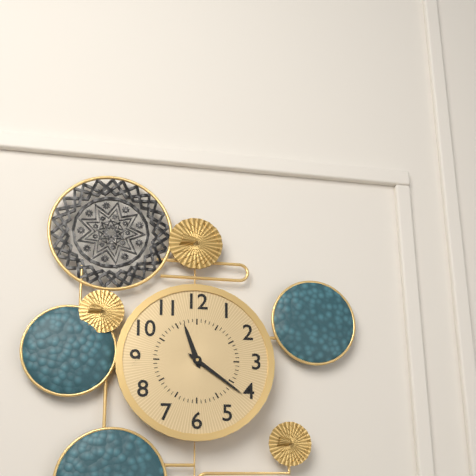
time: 11:21
